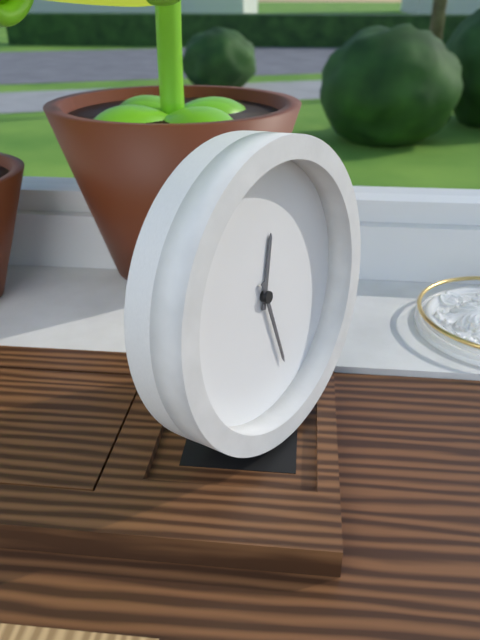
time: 12:27
